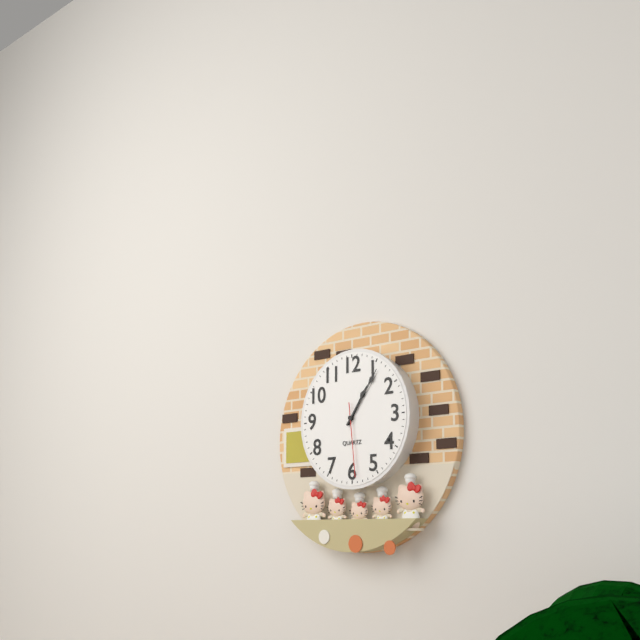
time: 1:06:29
